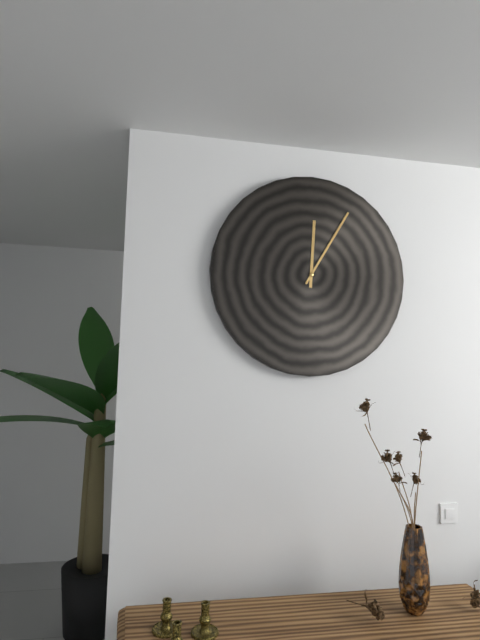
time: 12:05
